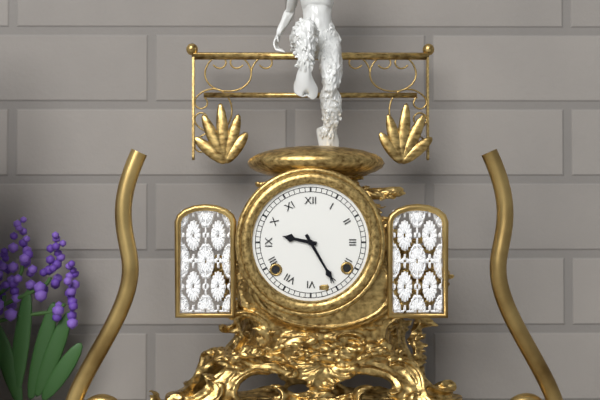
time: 9:25
